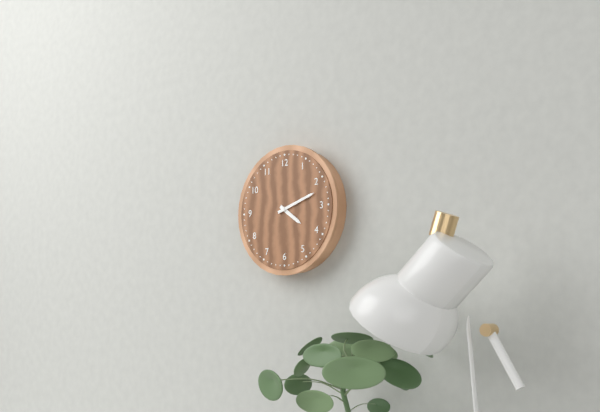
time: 4:12
